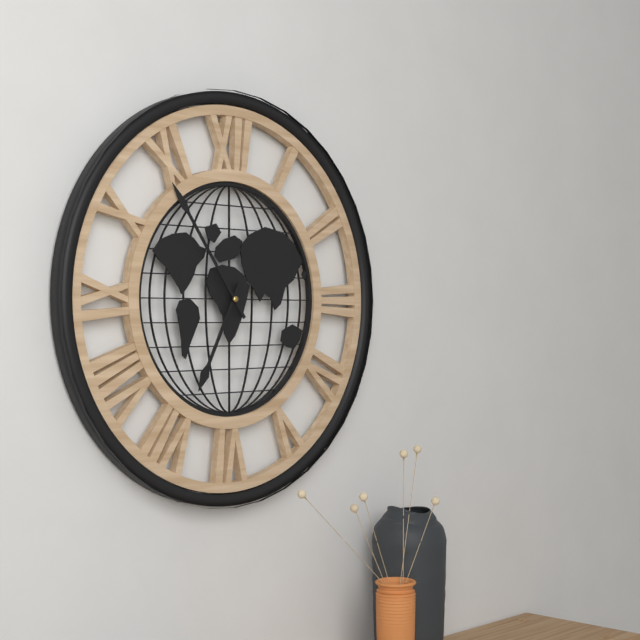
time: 6:54
